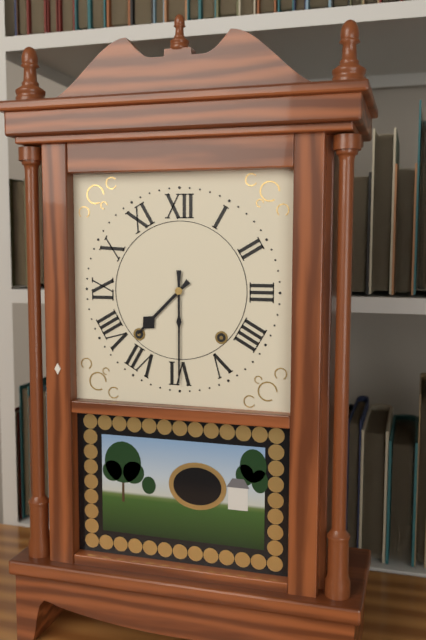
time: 7:30
